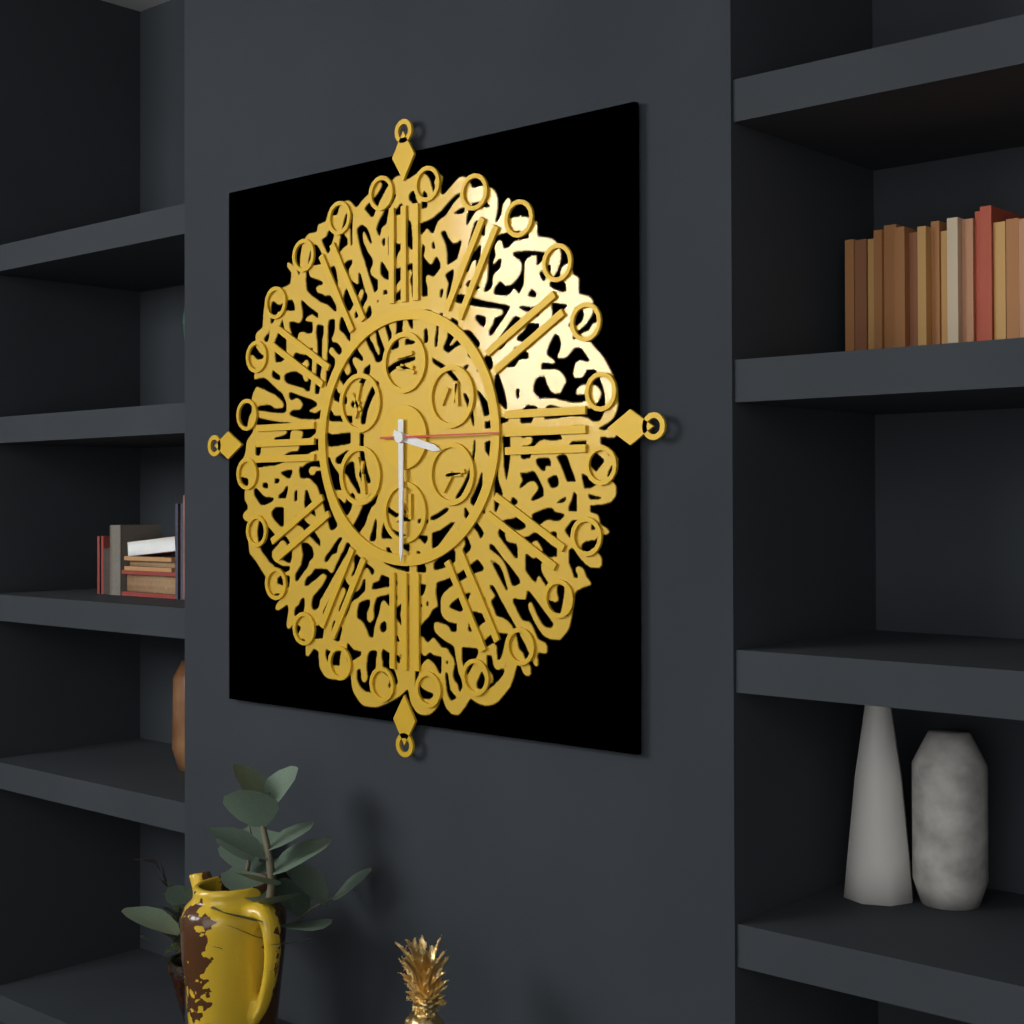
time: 3:30:15
